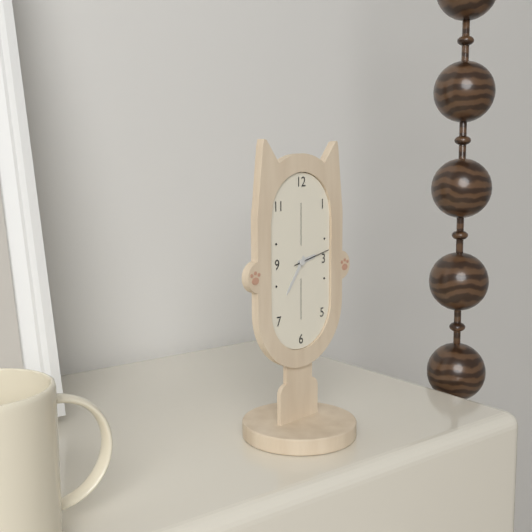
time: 2:36
